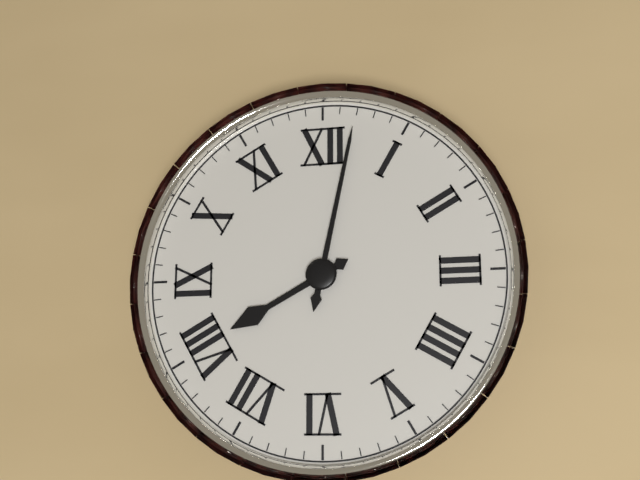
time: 8:02
